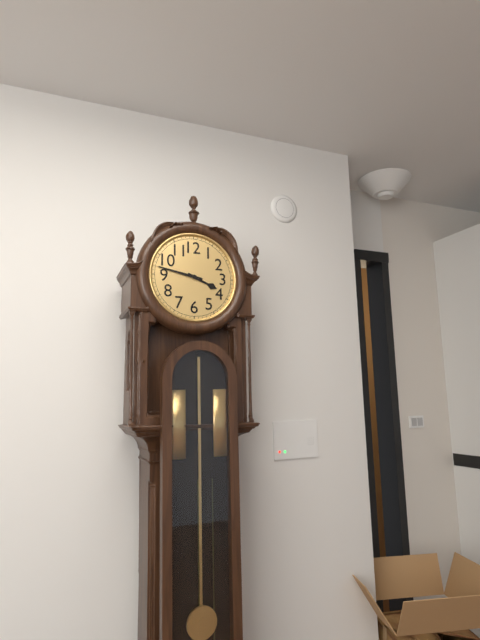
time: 3:47
